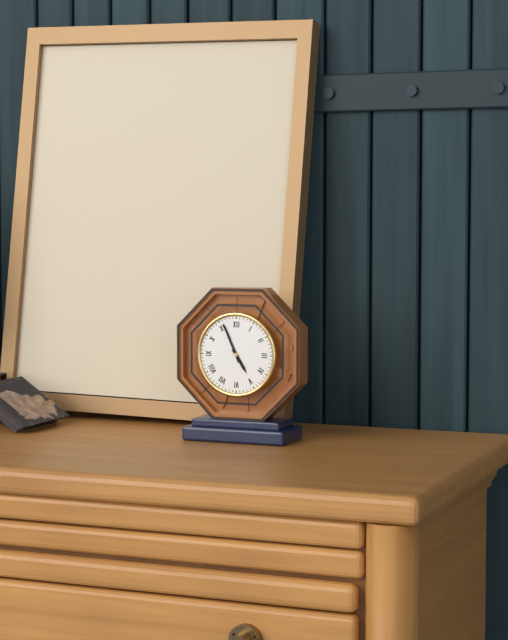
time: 4:56
